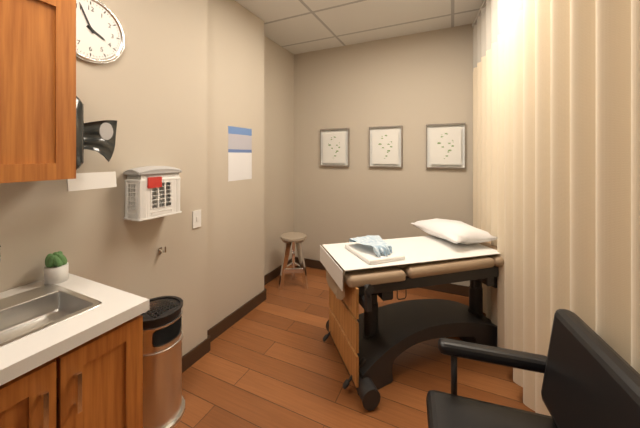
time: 3:56
